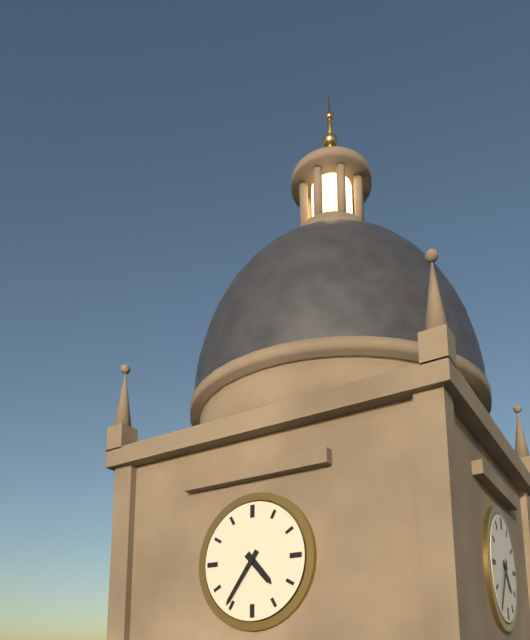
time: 4:36
